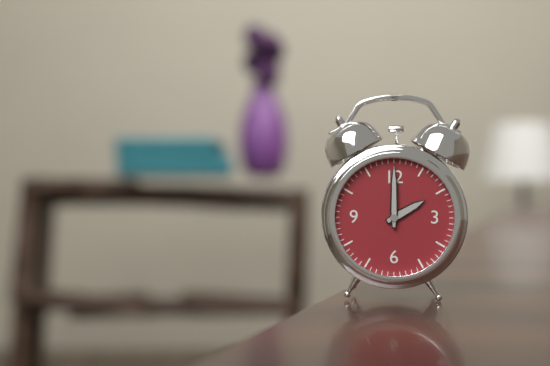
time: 2:00
